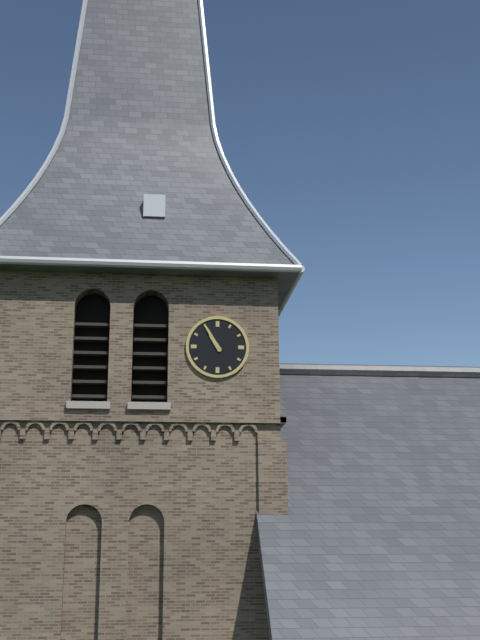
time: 10:55
